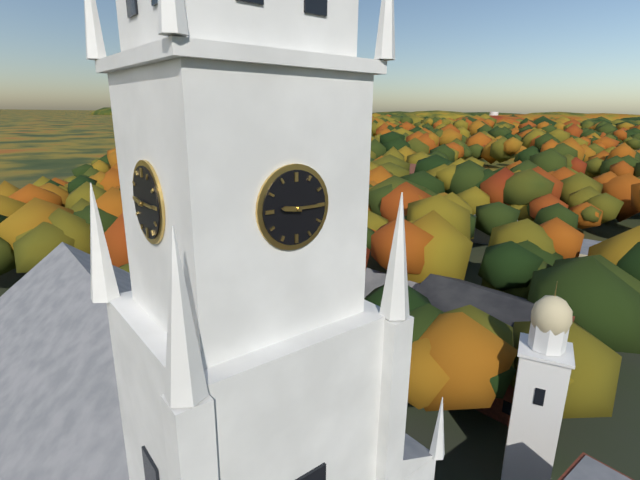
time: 9:15
